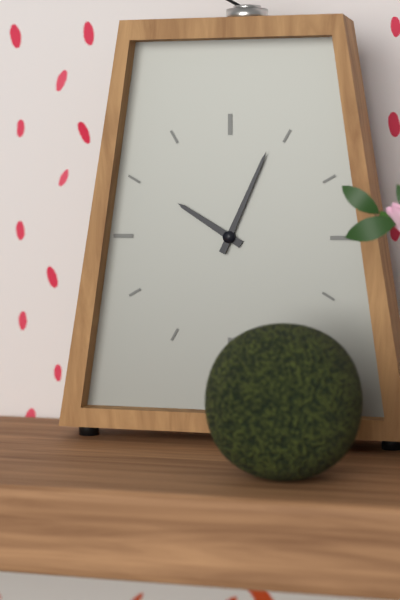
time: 10:04
